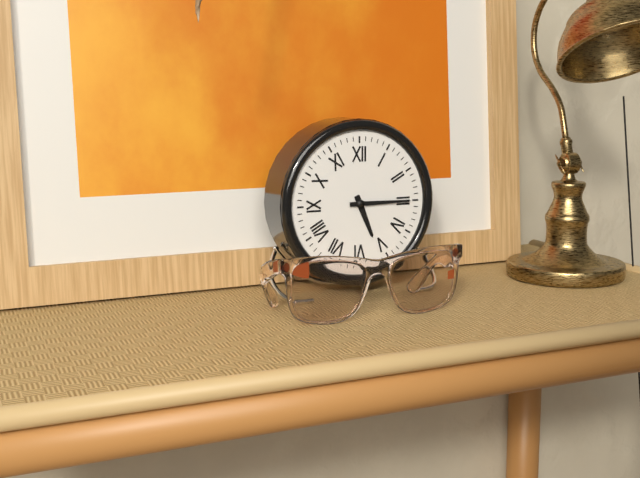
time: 5:15
